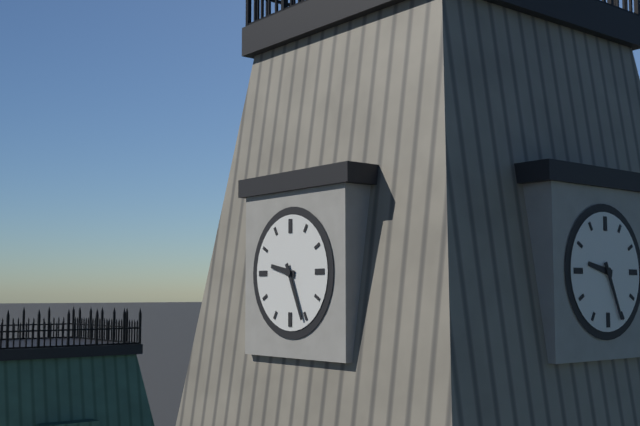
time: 9:26
